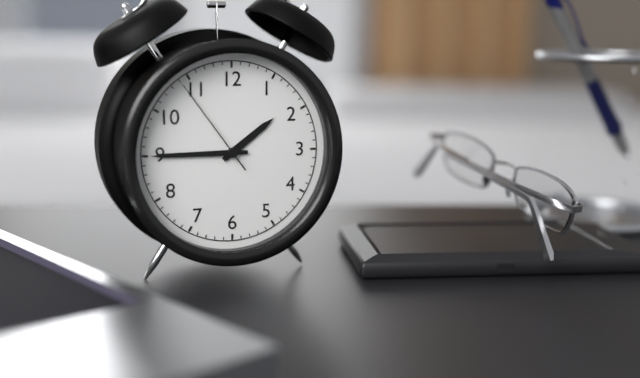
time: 1:45:54
